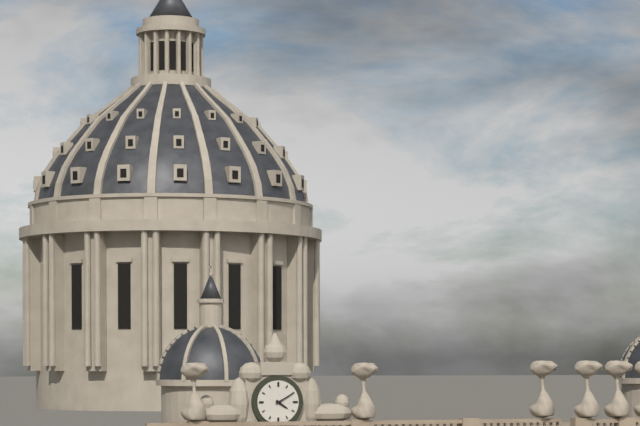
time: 4:10
